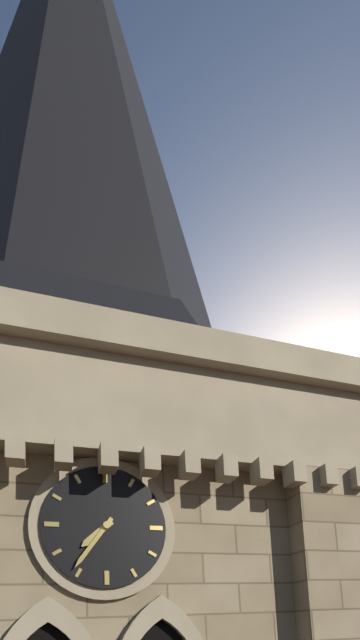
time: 7:36
